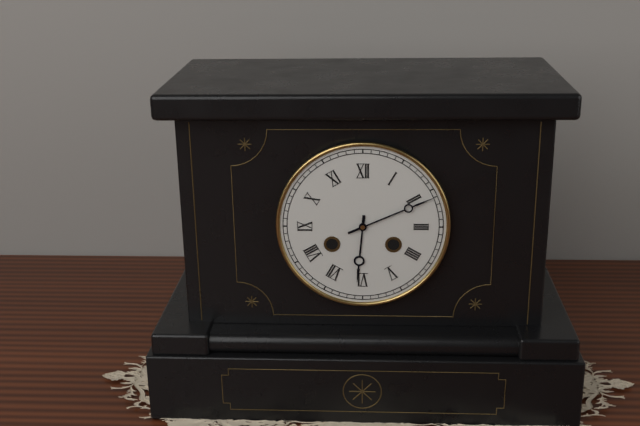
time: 6:11
